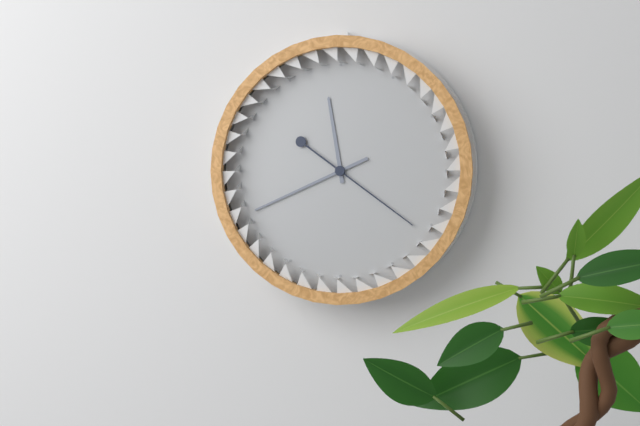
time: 11:41:21
